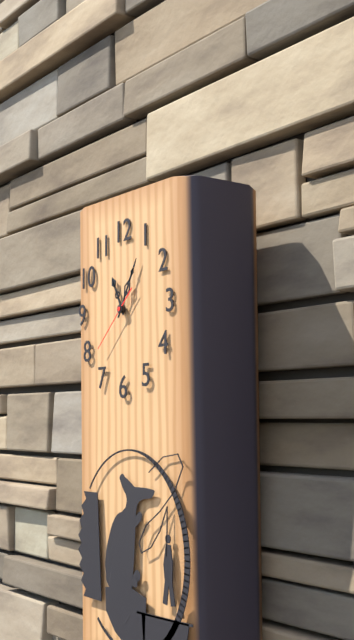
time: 11:05:38
